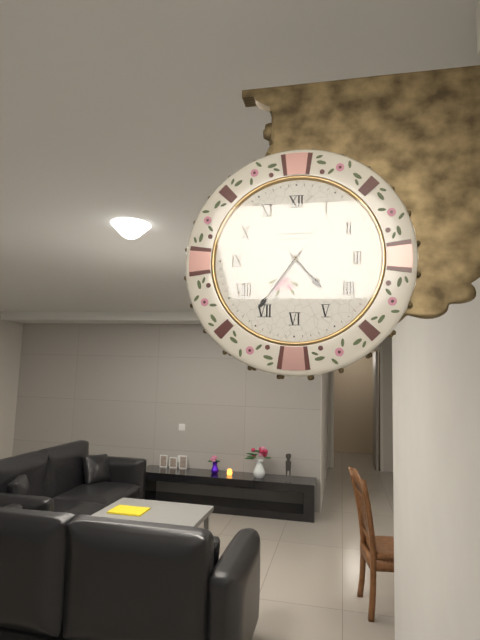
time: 4:36
